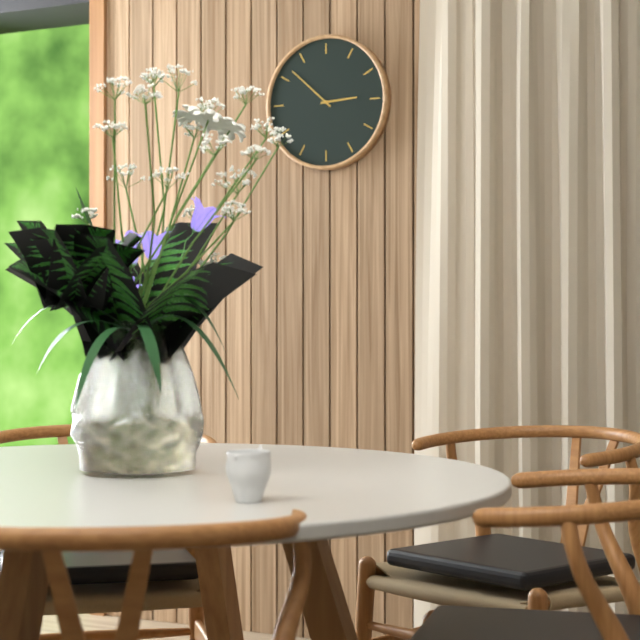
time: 2:52
